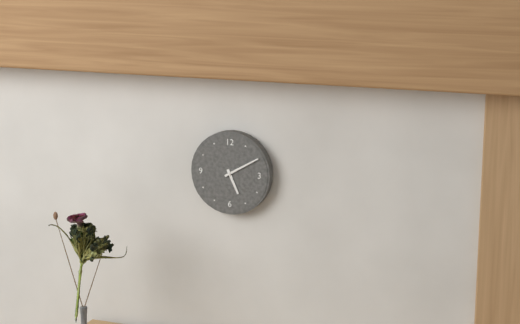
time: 5:10
